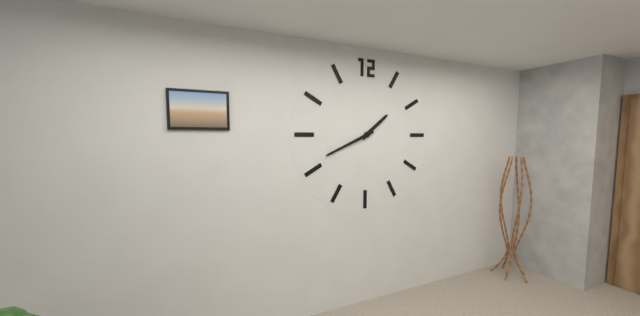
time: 1:41
